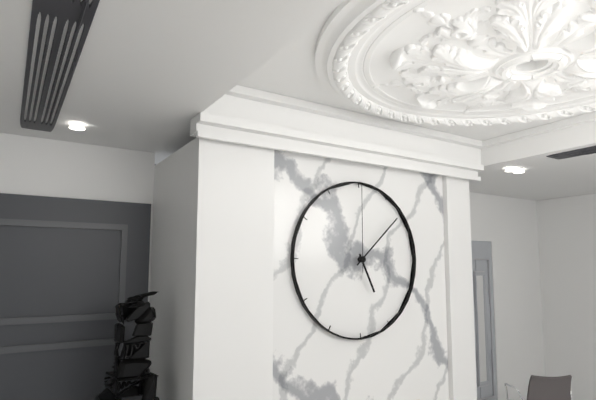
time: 5:08:00
